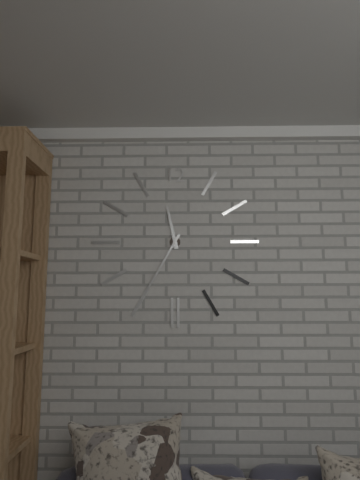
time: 11:35
